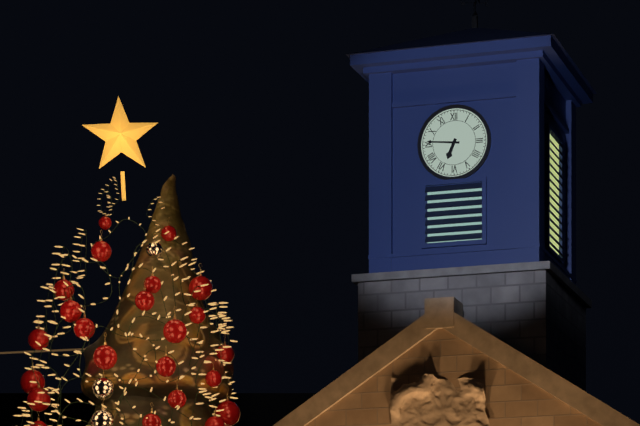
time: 6:46
